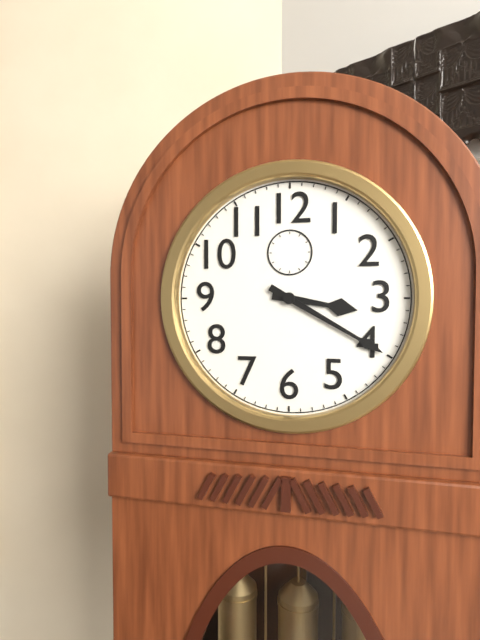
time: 3:20
